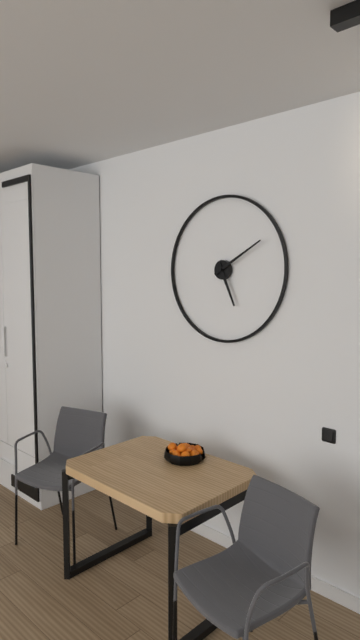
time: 5:10
